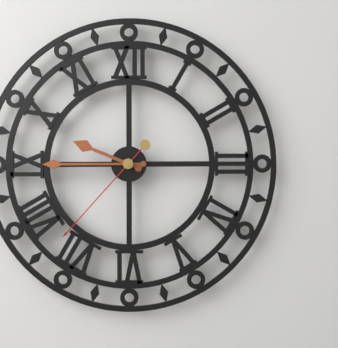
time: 9:45:37
